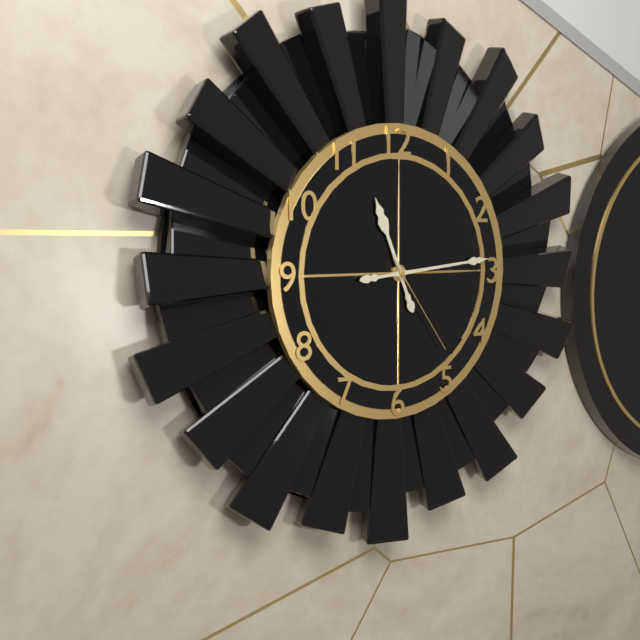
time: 11:14:24
